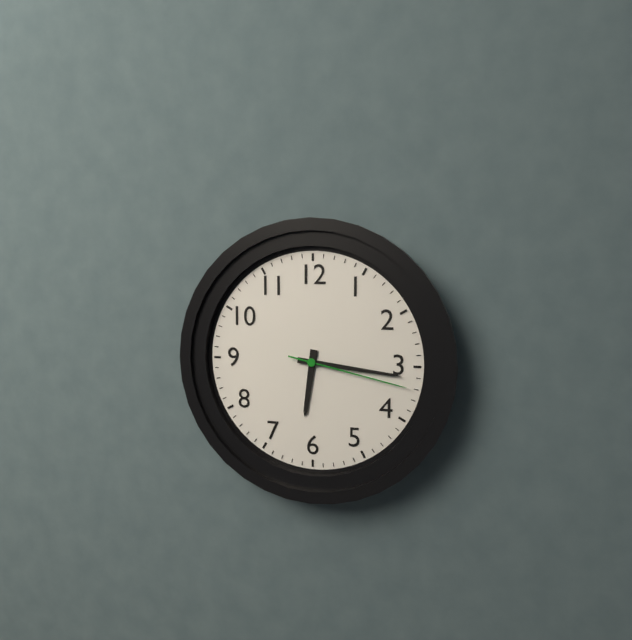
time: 6:16:17
